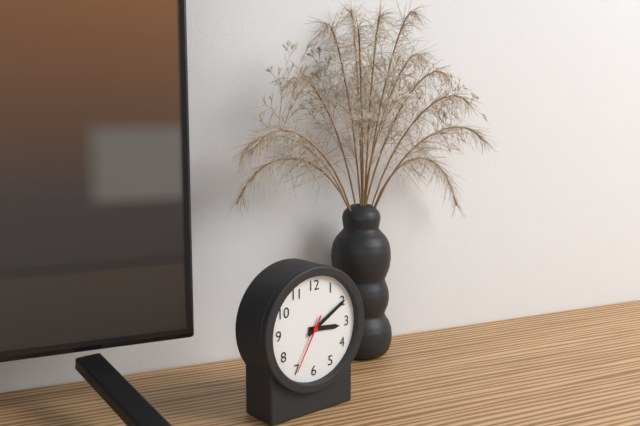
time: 3:10:35
